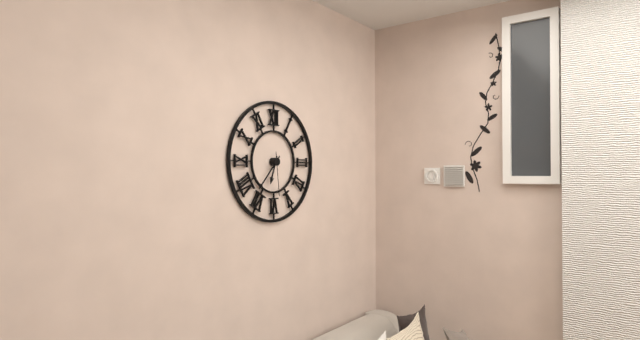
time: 6:37
